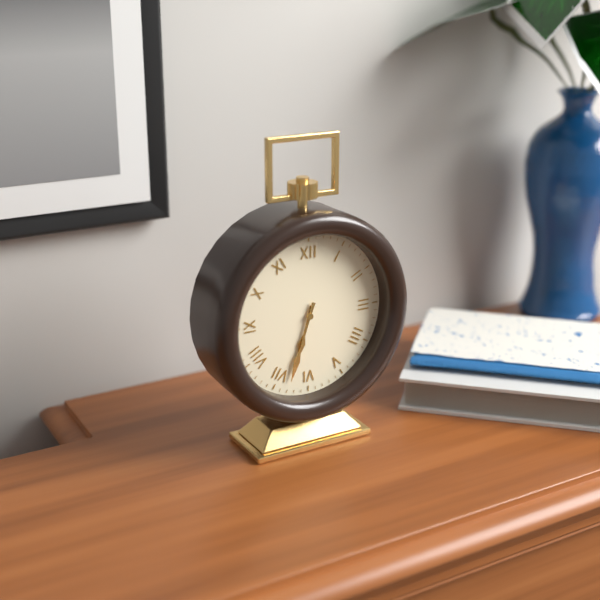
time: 6:33
